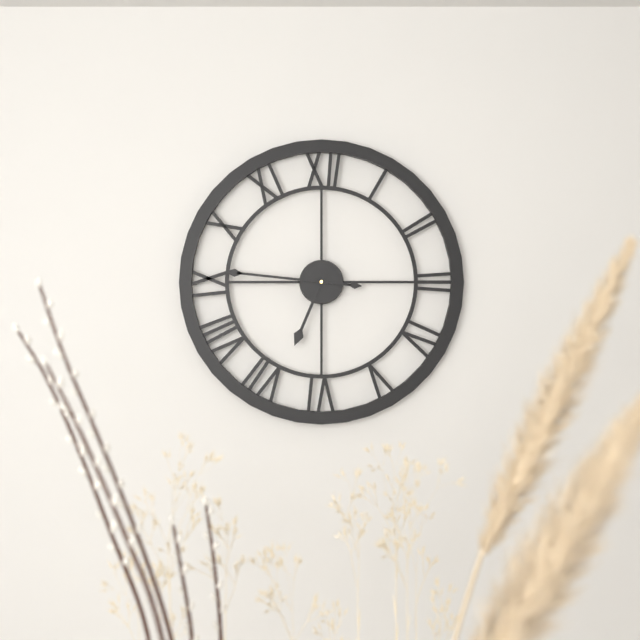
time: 6:46
